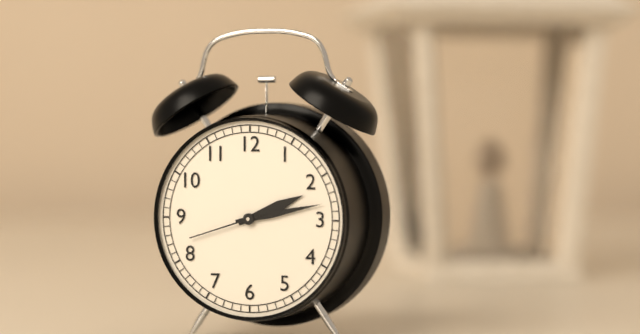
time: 2:13:42
